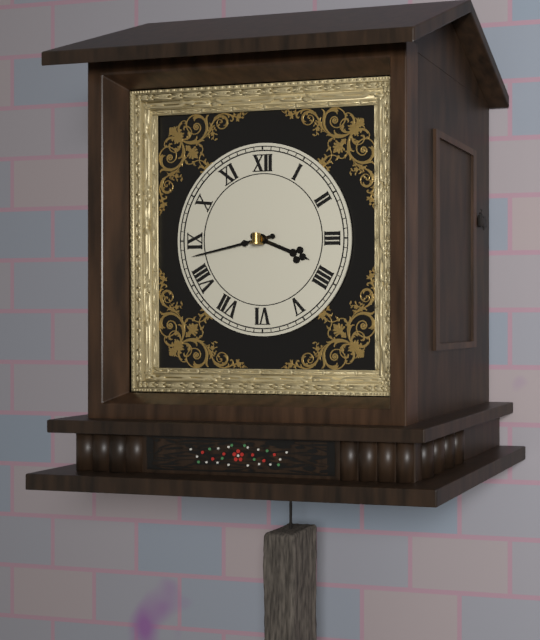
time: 3:43
